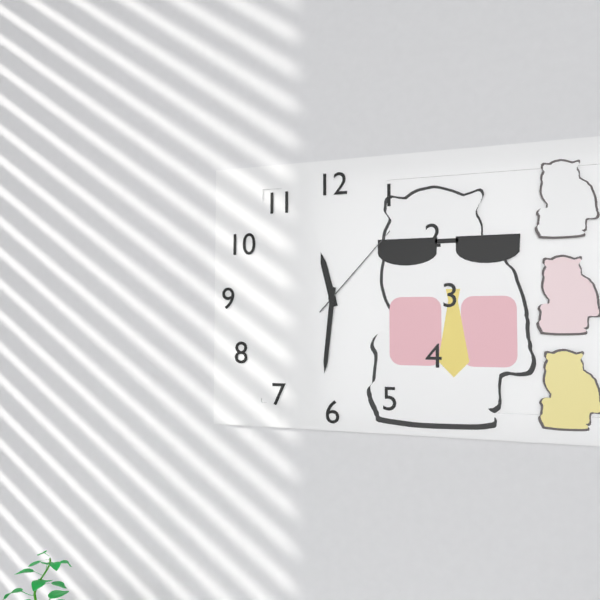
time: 11:31:07
